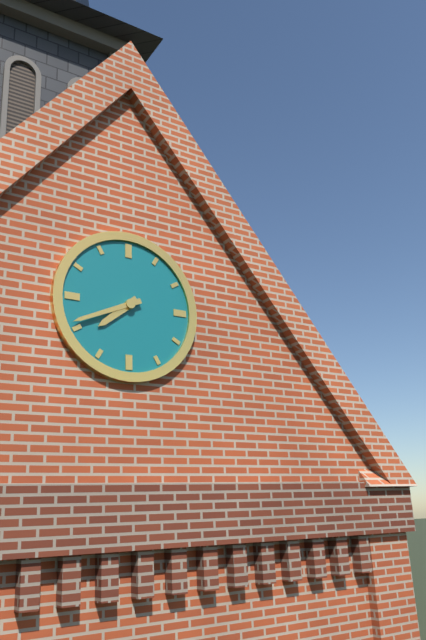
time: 7:41
